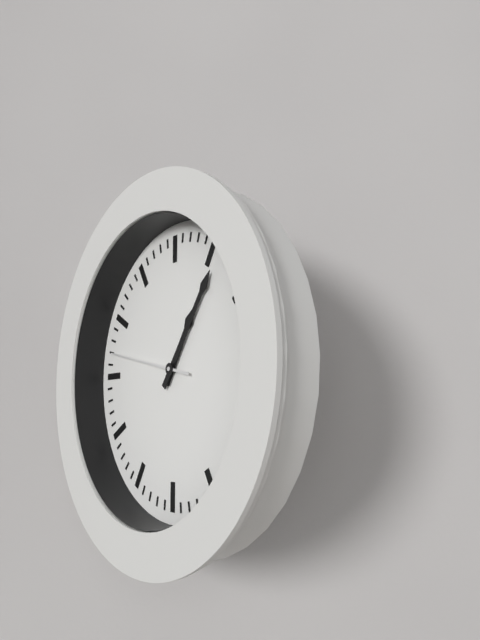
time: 1:06:47
